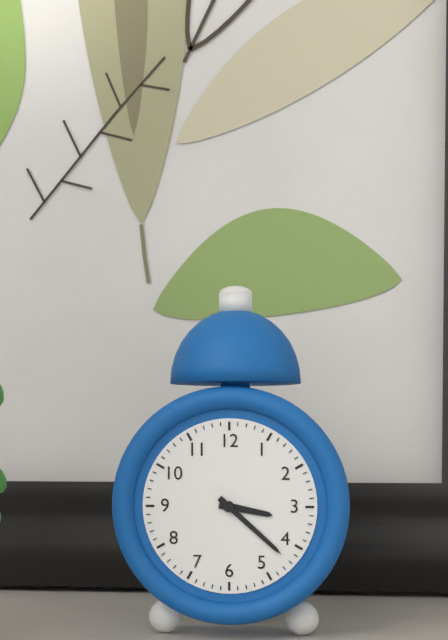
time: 3:22
